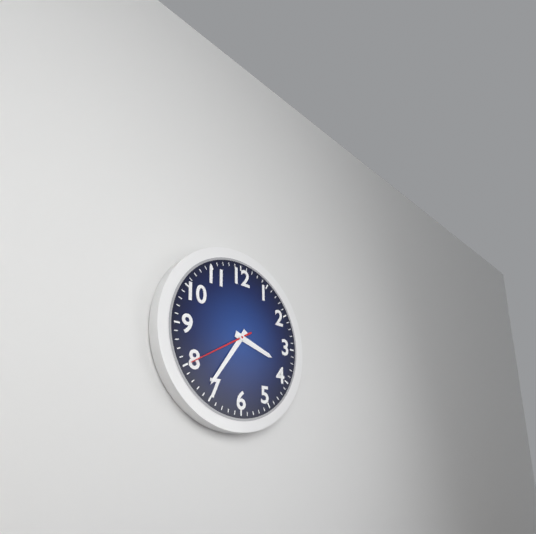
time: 3:36:40
